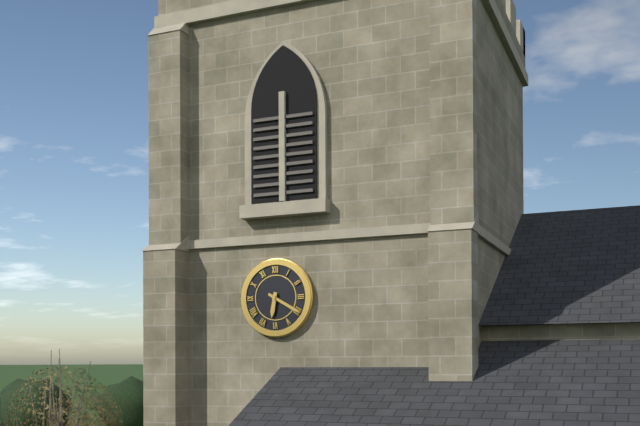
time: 6:20
